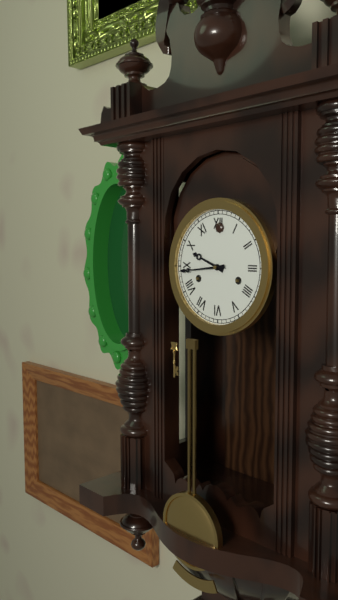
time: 9:44
